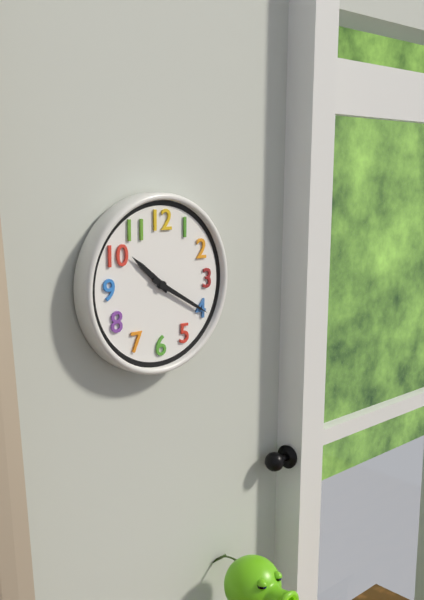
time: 10:20
